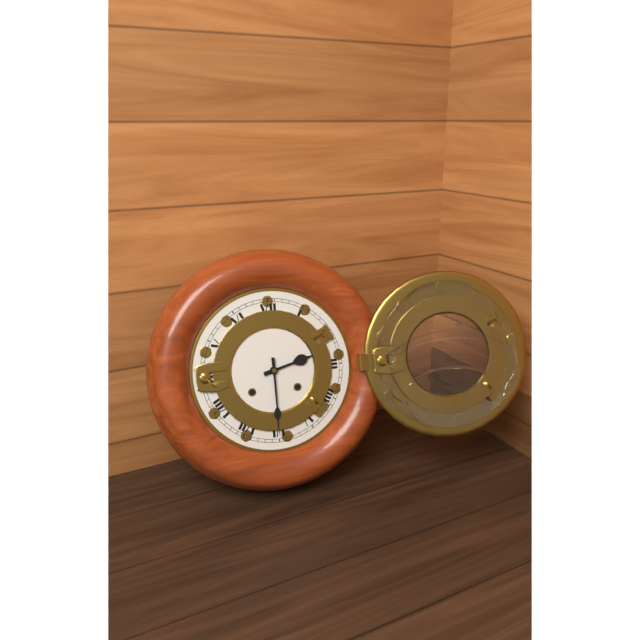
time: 2:30
